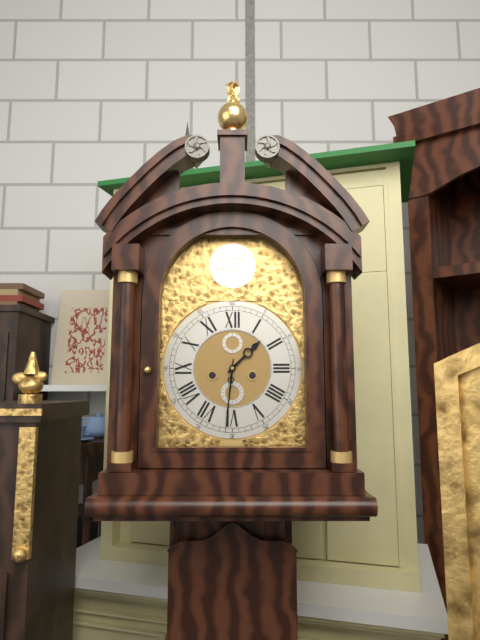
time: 1:31
